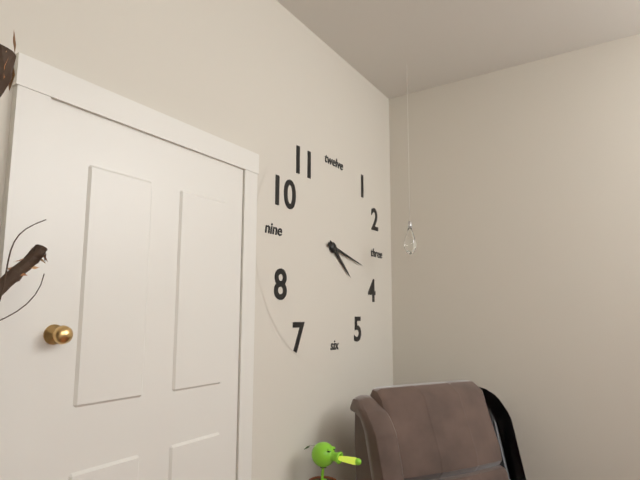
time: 4:17
